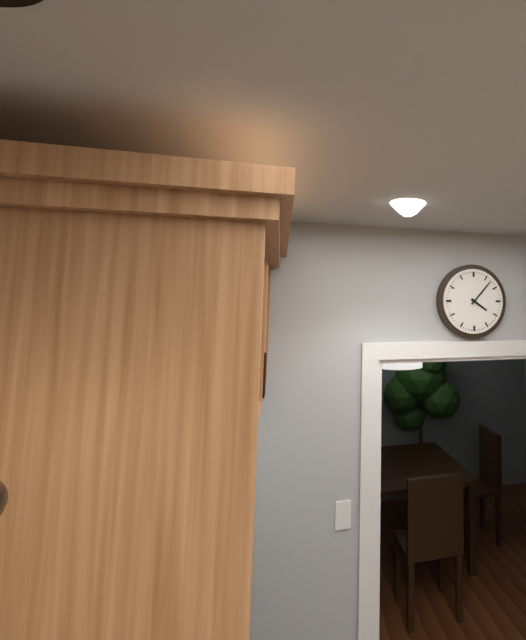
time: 4:07
